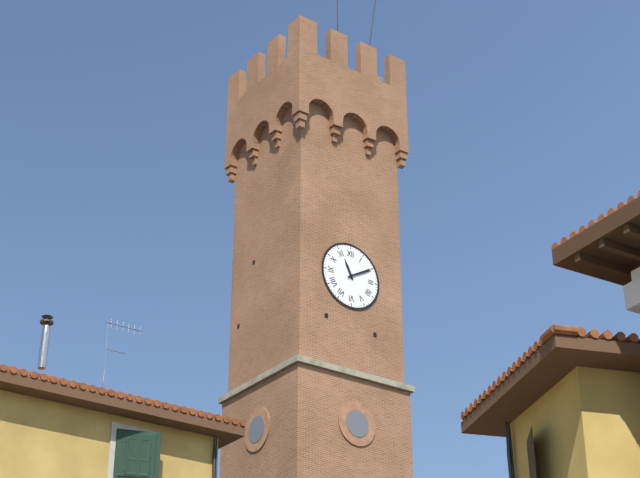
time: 11:10
